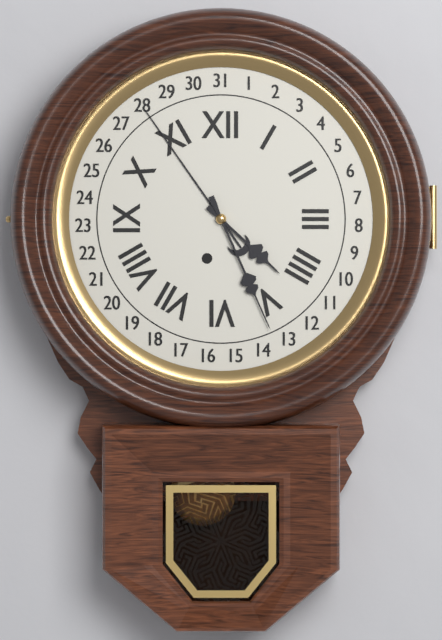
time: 4:26
